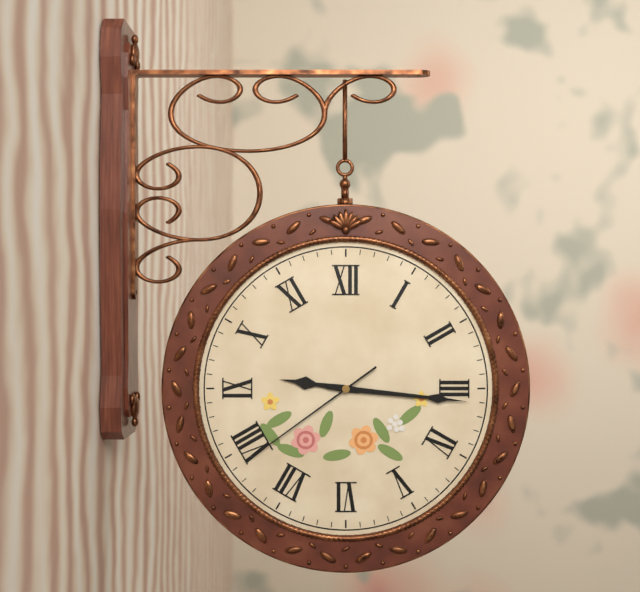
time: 9:16:39
